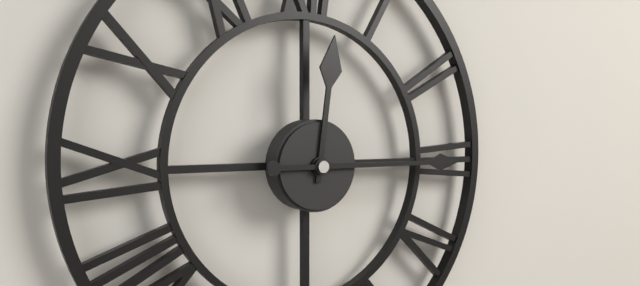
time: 12:15
